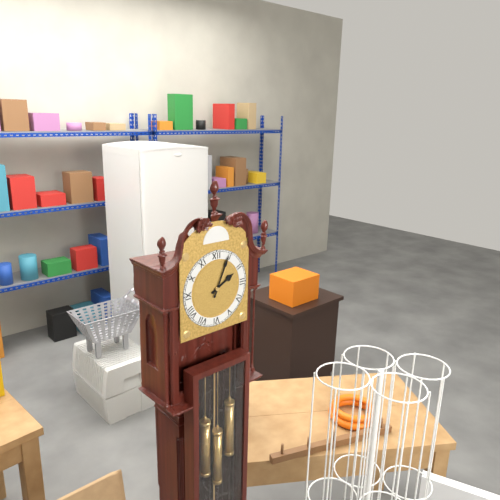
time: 2:04
